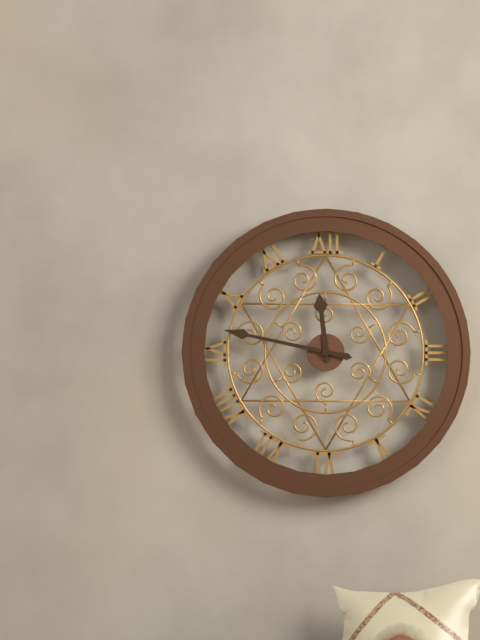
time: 11:47
